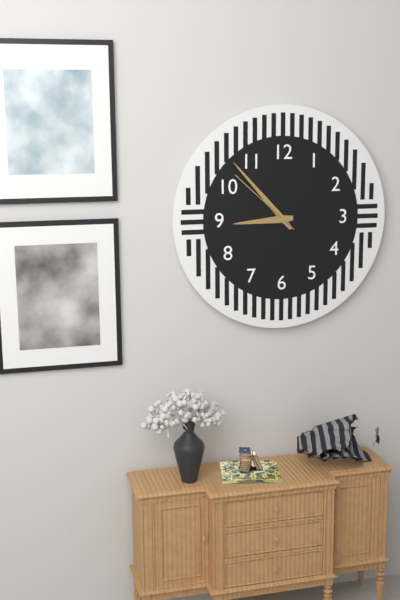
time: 8:53:52
